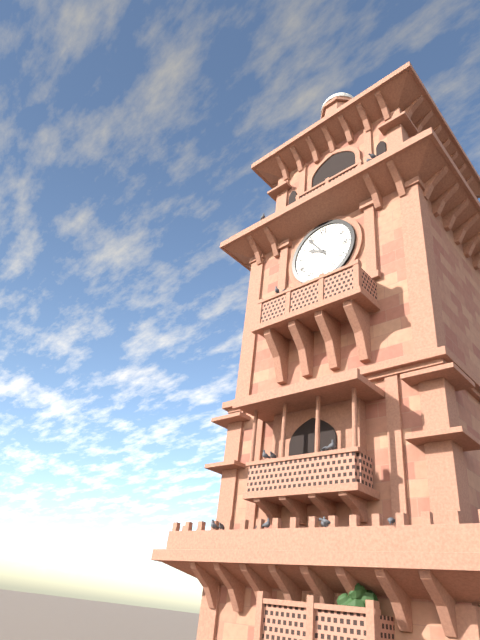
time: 9:54
